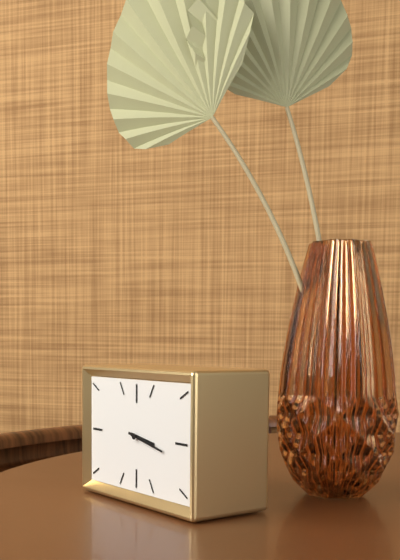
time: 3:17
